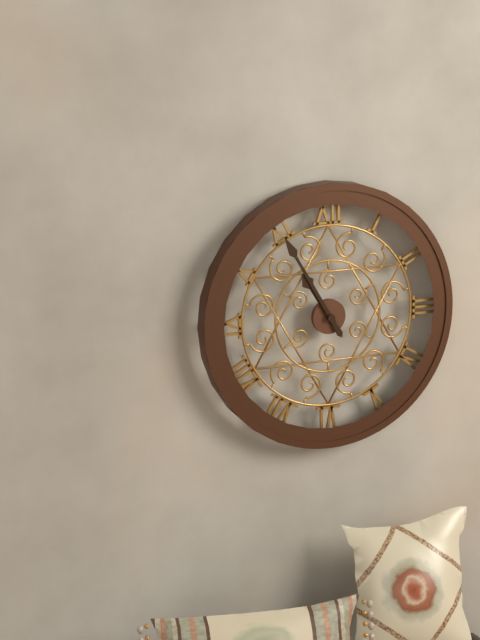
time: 10:55
